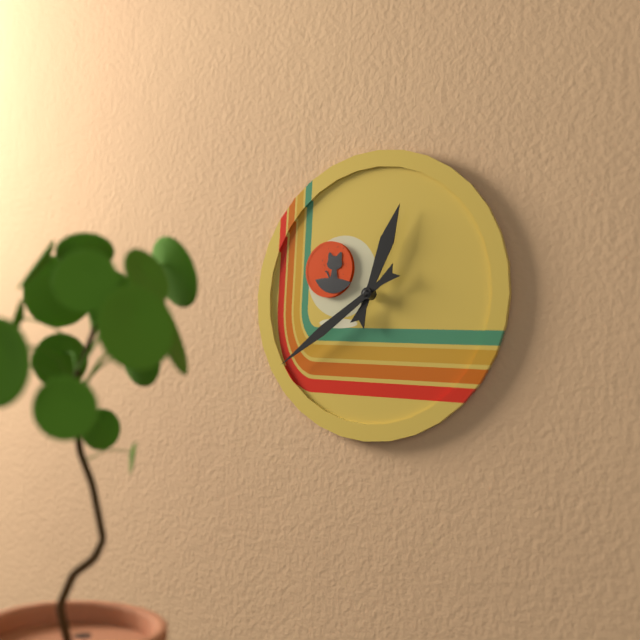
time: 12:39
